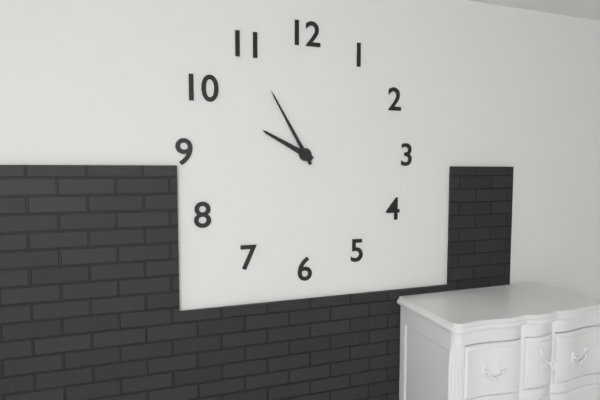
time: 9:55
